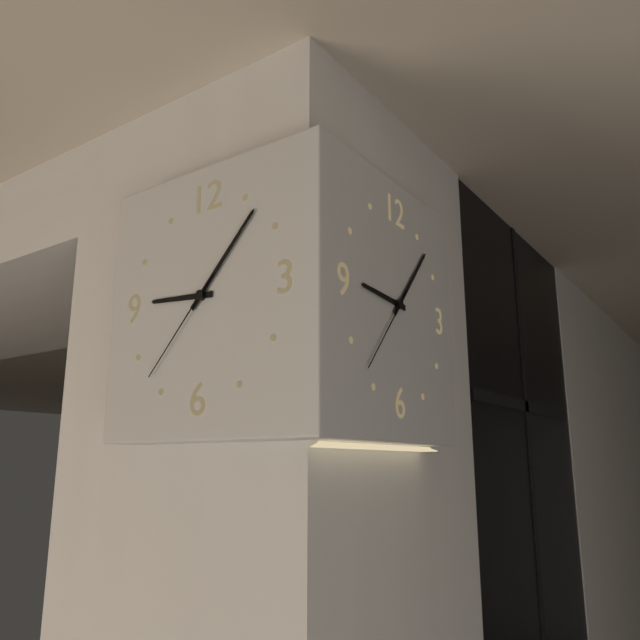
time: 9:07:37
